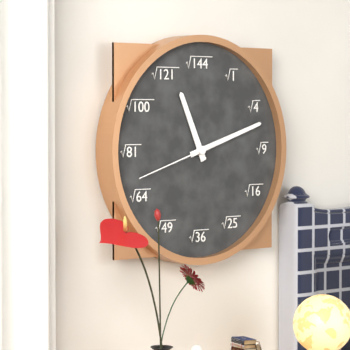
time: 11:12:42
